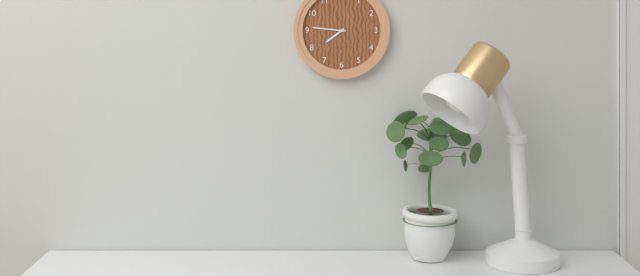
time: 7:46
